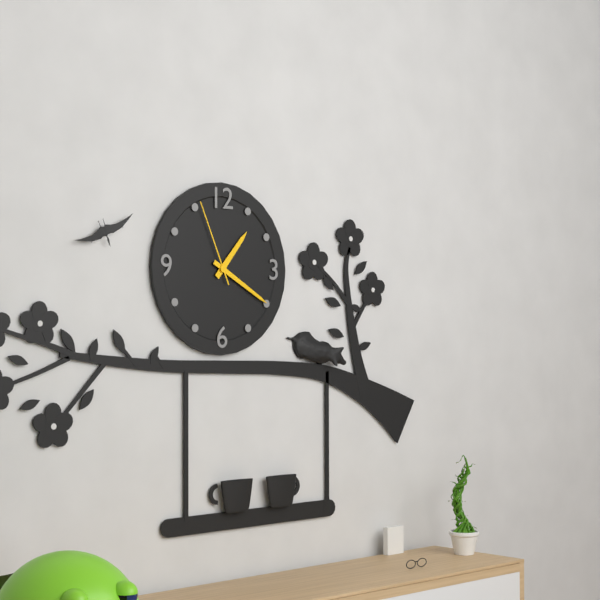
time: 1:20:56
